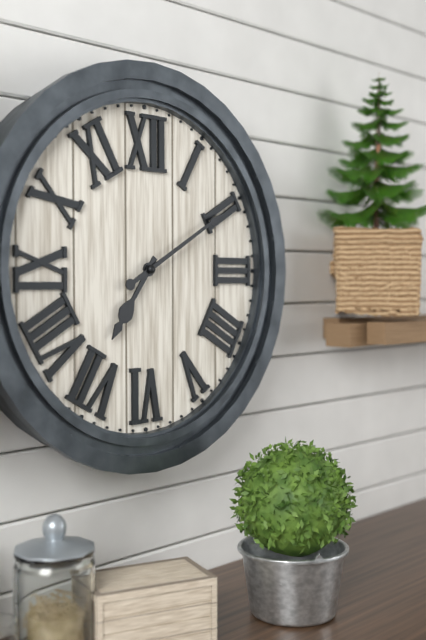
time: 7:10
